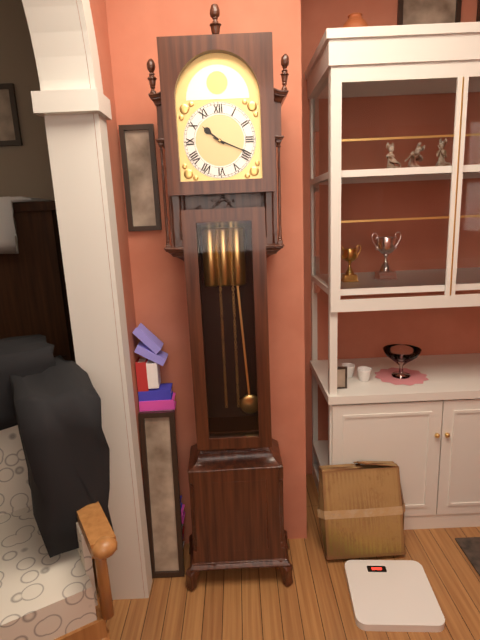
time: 10:19
